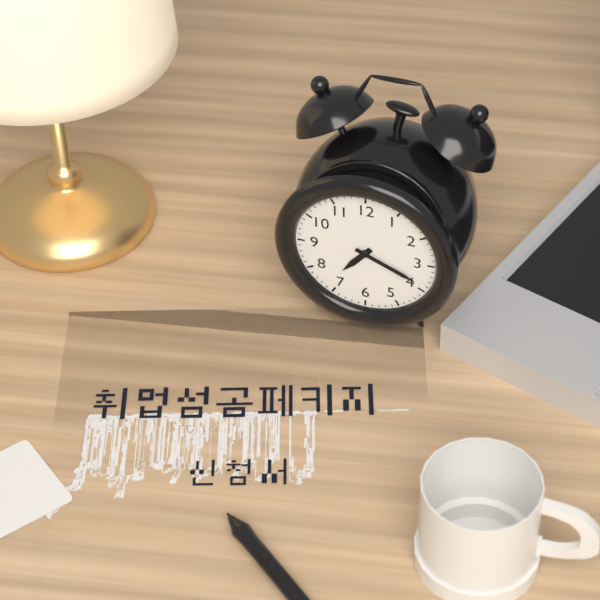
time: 7:19
